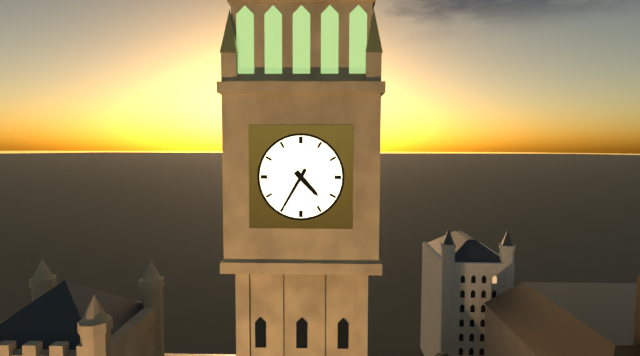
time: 4:35
